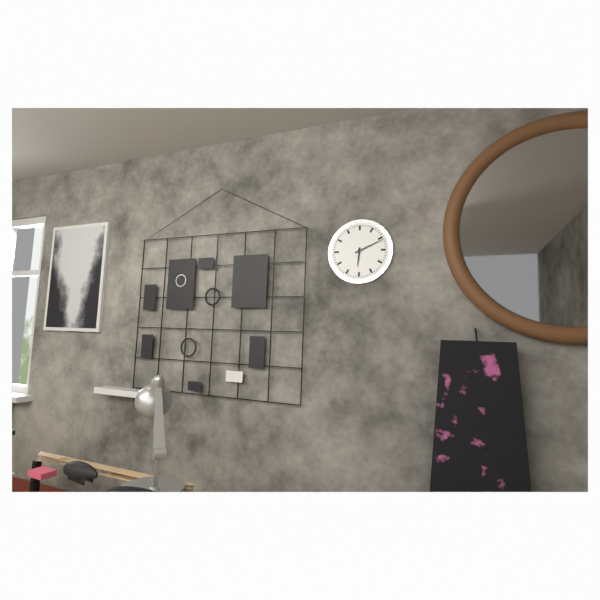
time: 6:11
